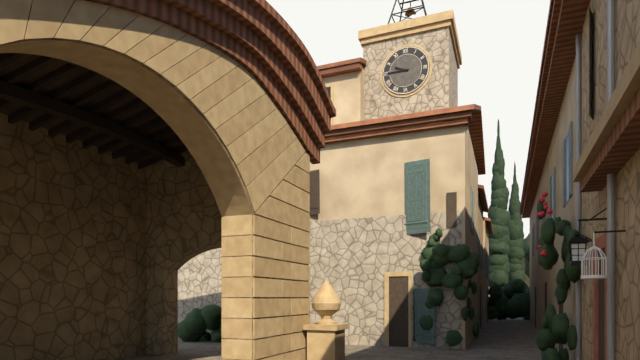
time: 9:45
